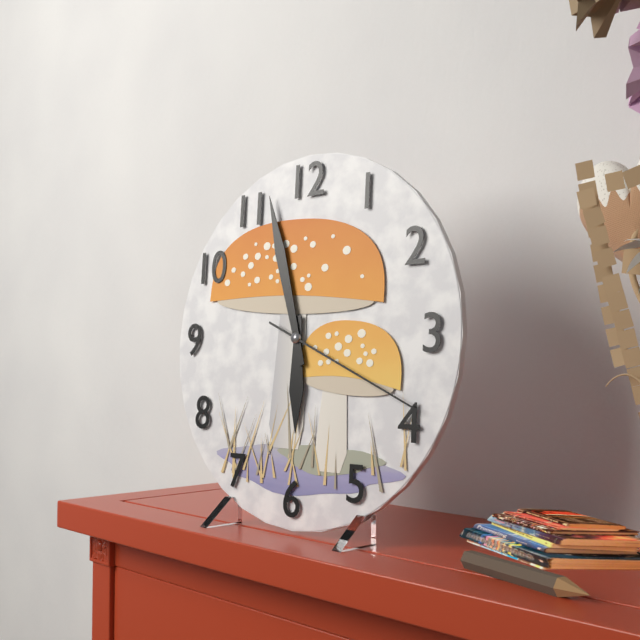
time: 5:57:19
